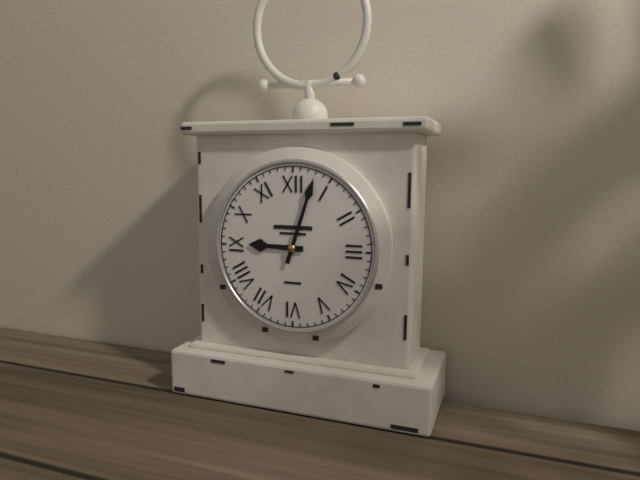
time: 9:03
